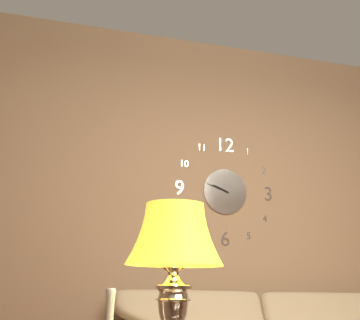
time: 9:48
